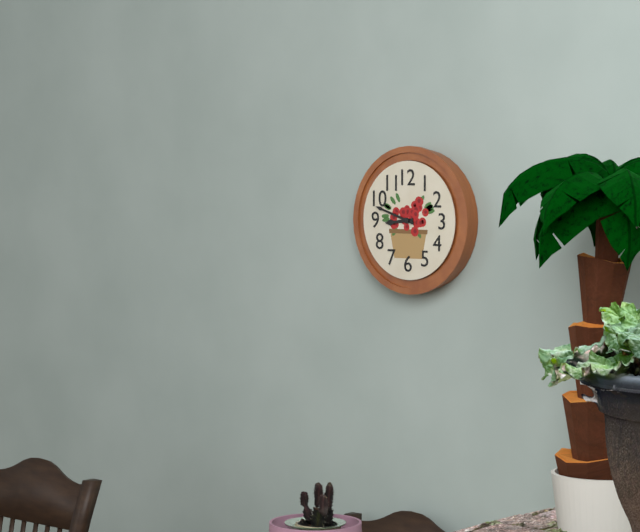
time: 8:48
